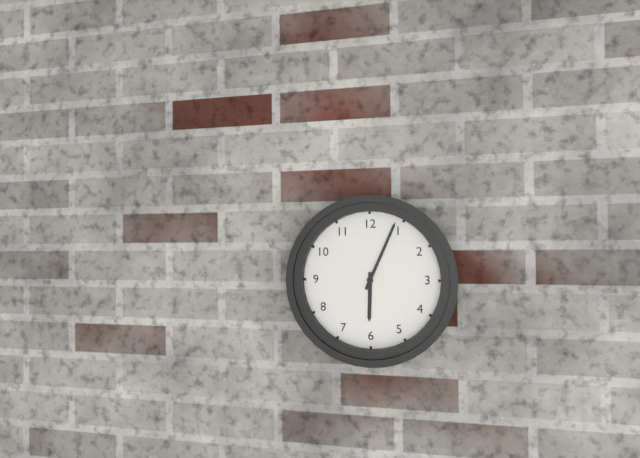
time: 6:04
